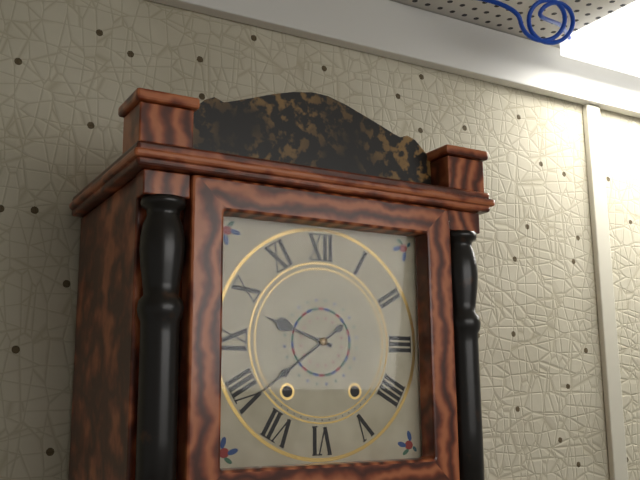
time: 9:39
